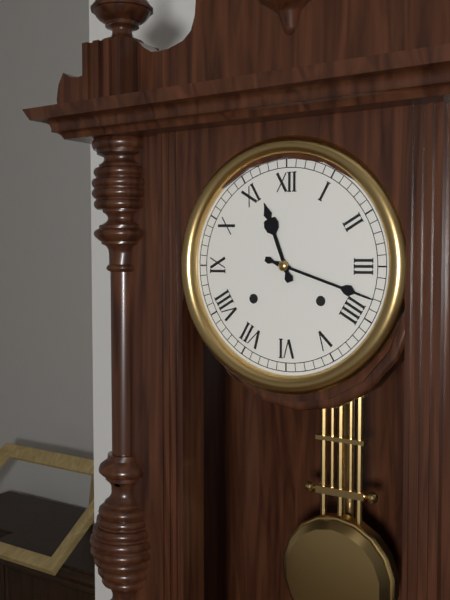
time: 11:18
